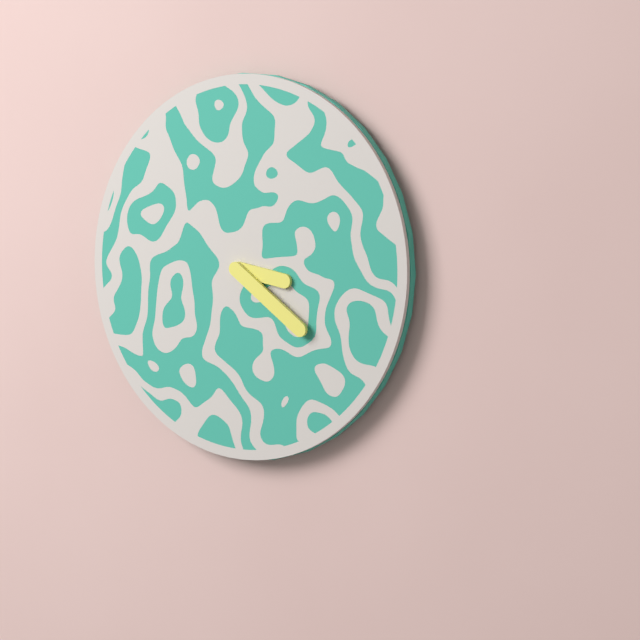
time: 3:21
